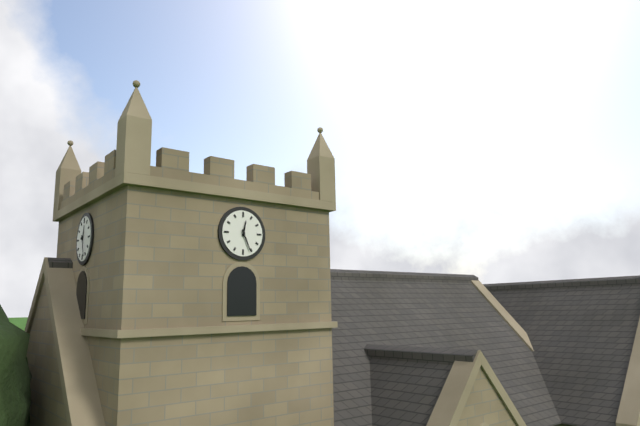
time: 12:26
